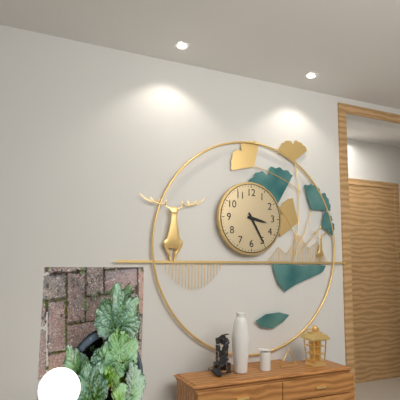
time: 3:25
